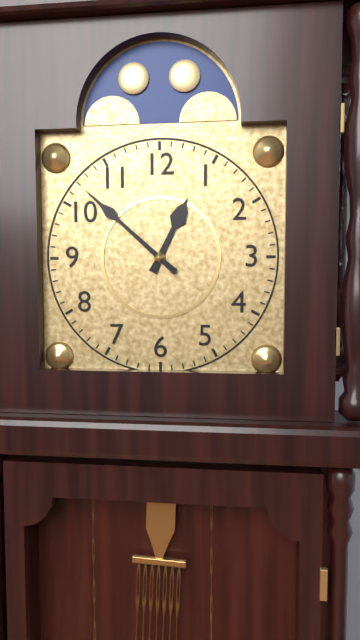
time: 12:52
